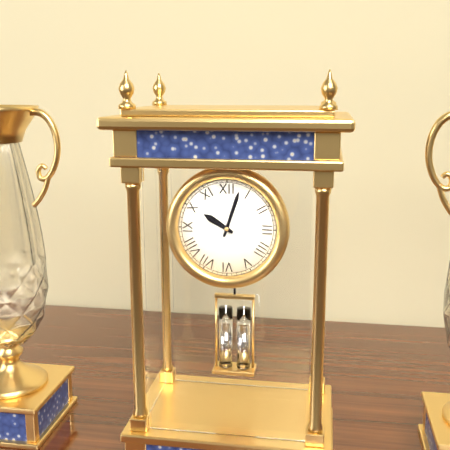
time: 10:03
